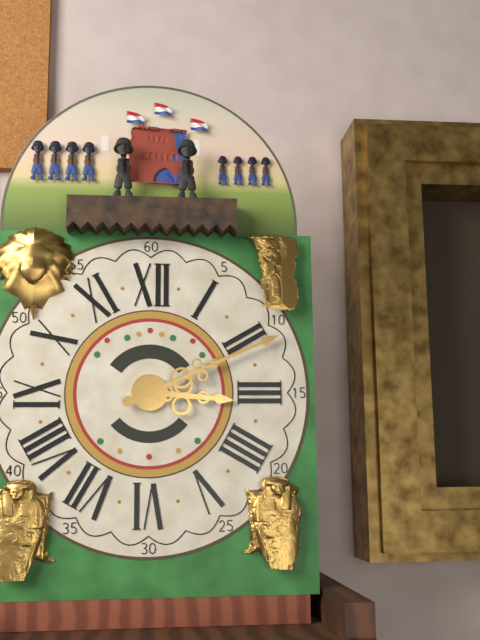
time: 3:11
